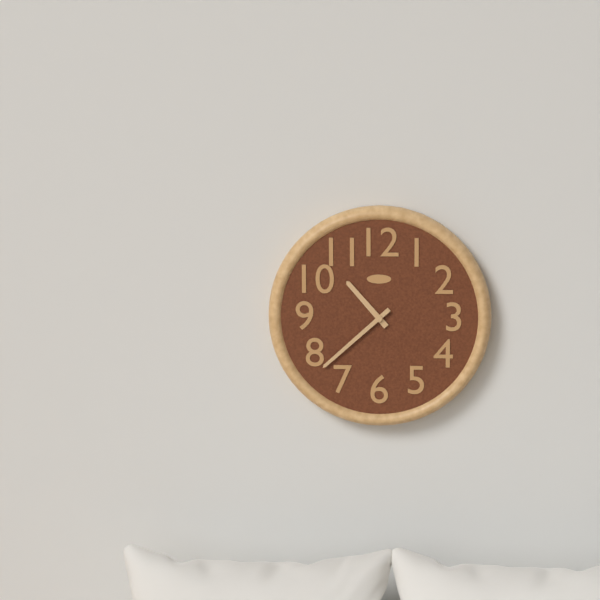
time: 10:38
